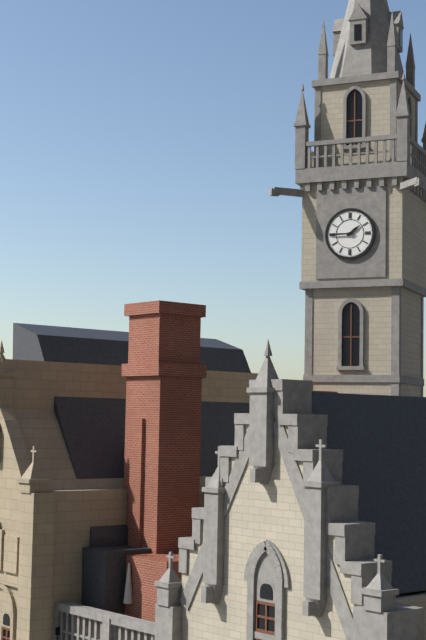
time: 1:45
